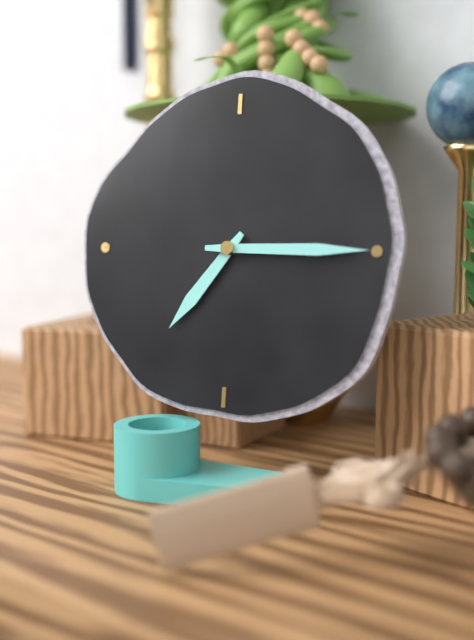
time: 7:15
